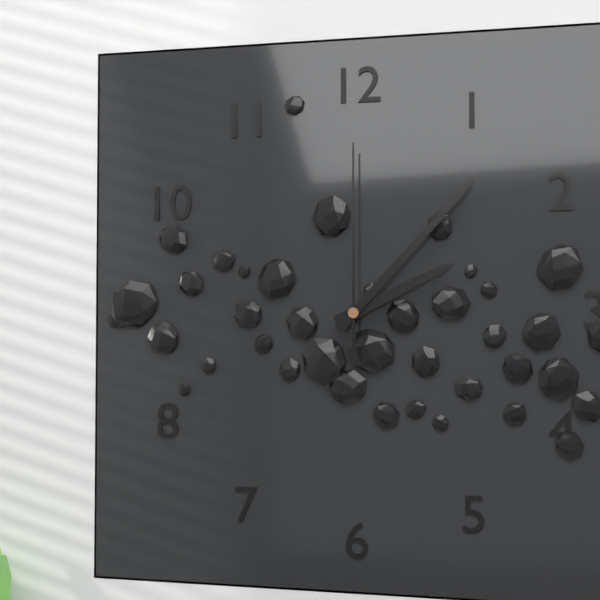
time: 2:07:00
